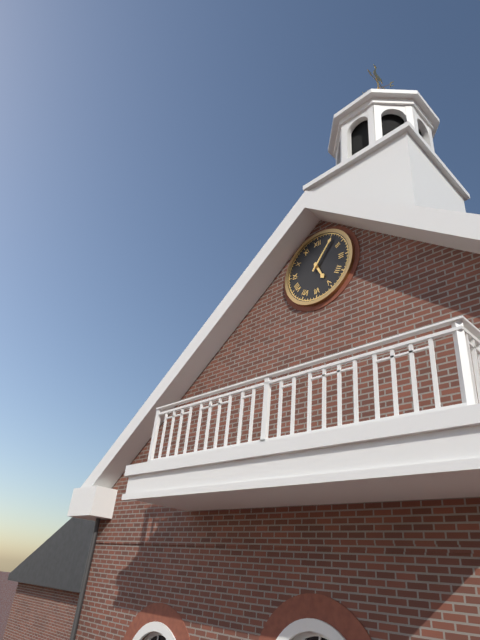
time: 5:06
